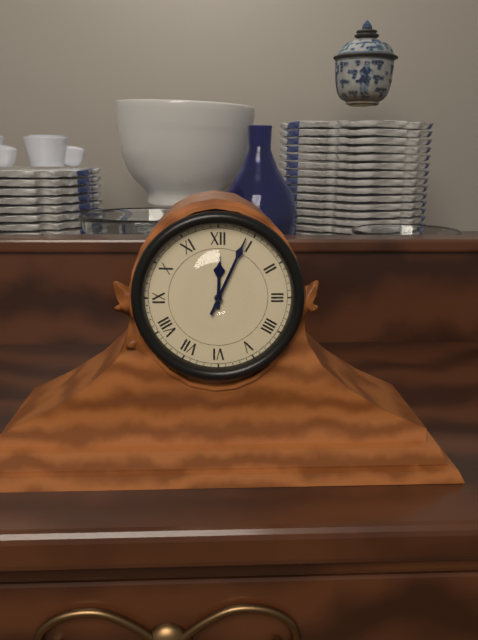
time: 12:04
